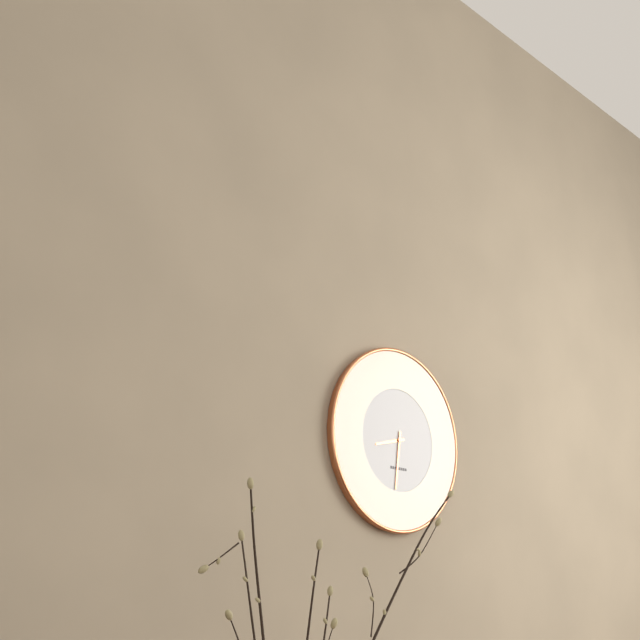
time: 8:31
